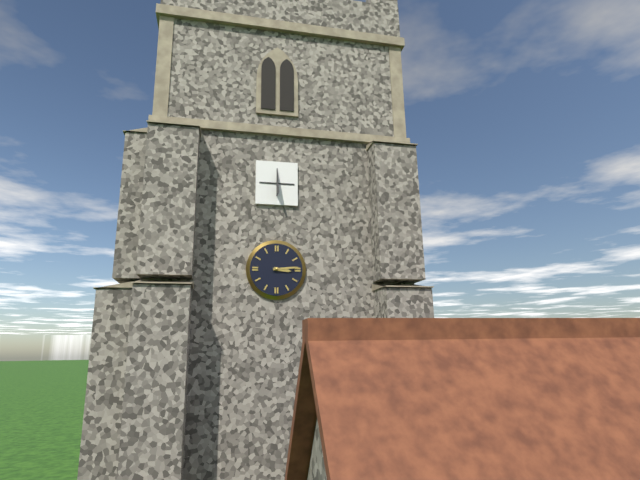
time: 3:14
